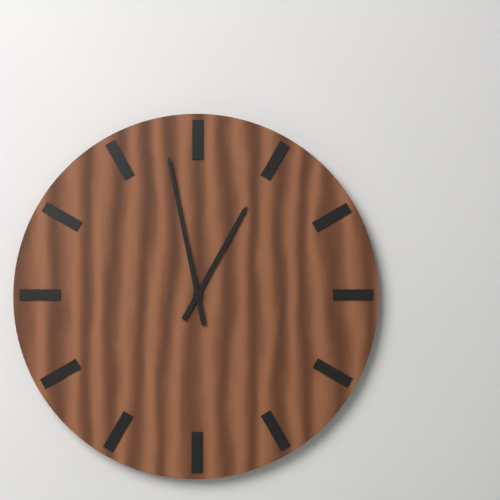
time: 12:58
